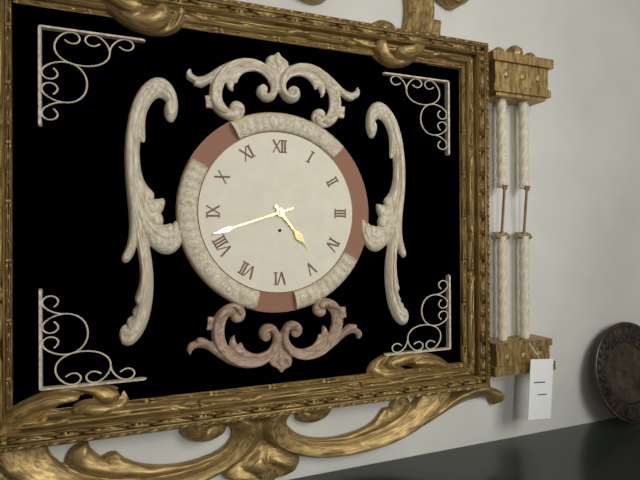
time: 4:42
